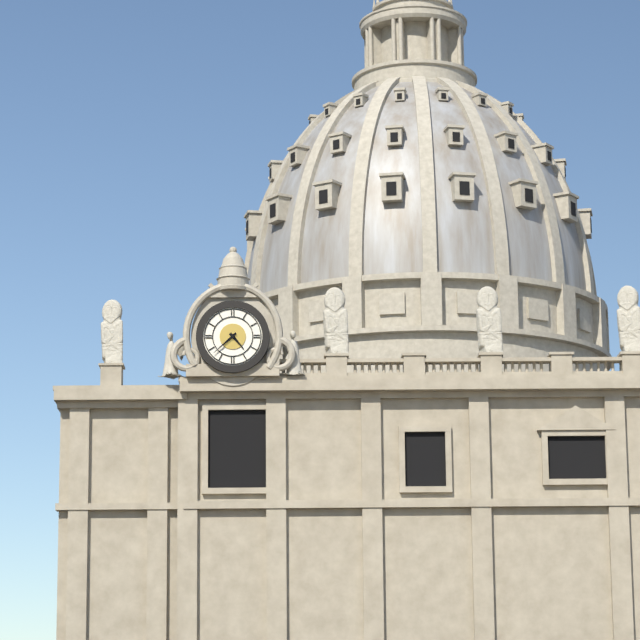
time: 4:38
